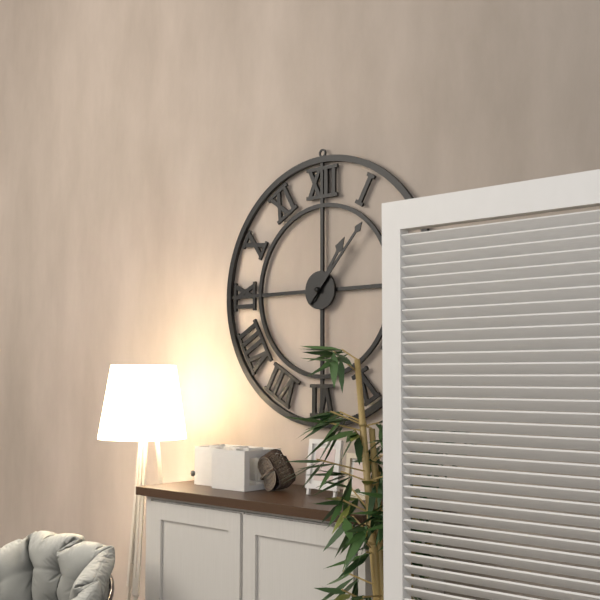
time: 1:07
